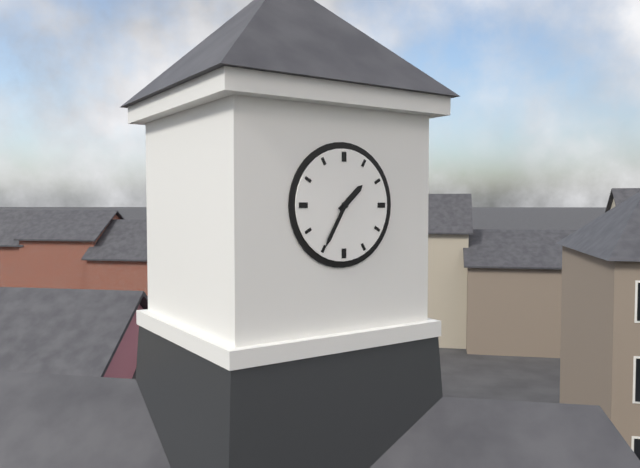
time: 1:35
